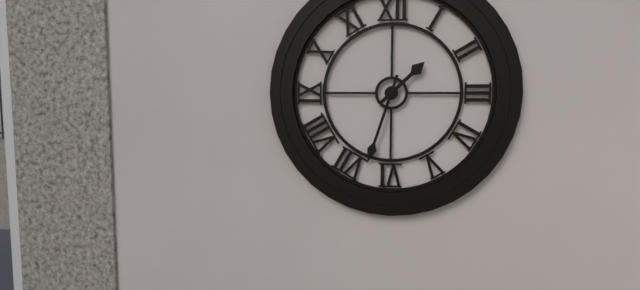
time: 1:33
